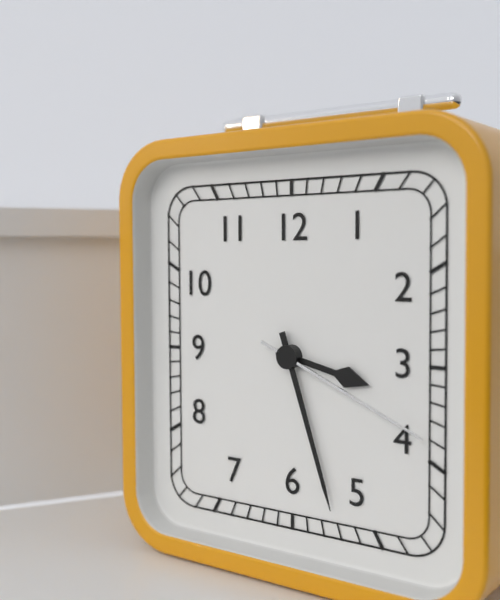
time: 3:27:19
